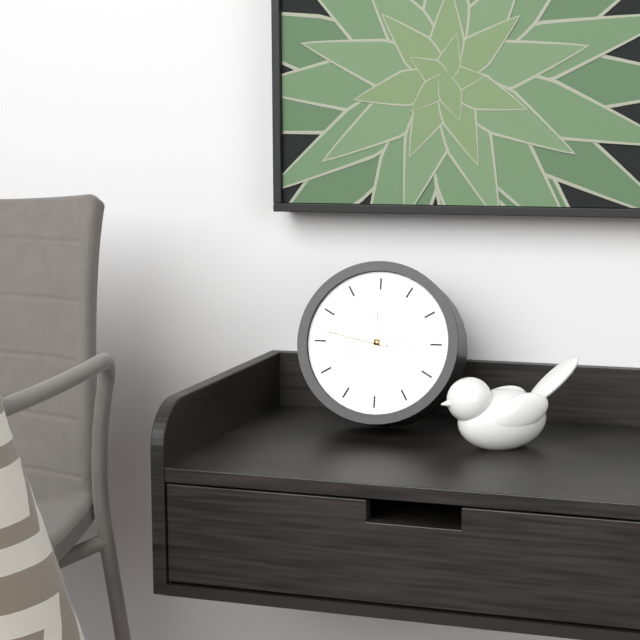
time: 11:47
